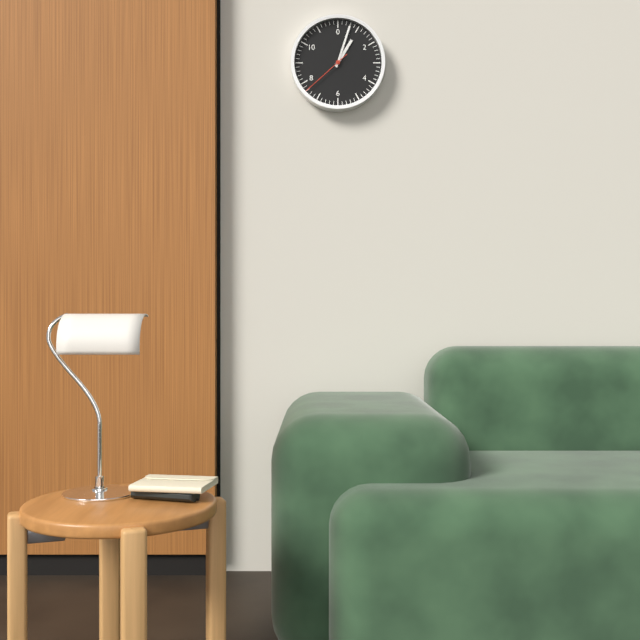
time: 1:03:38
